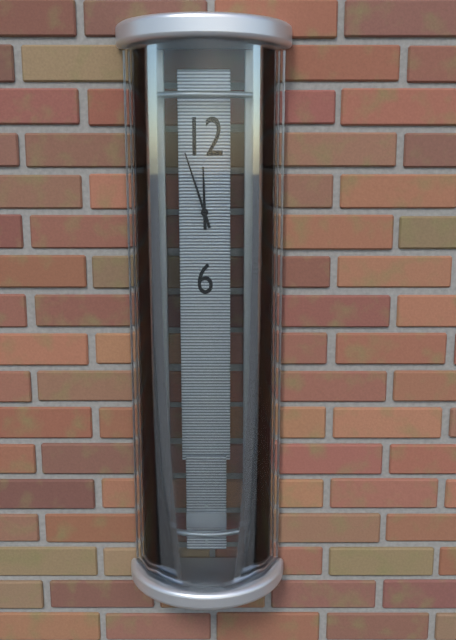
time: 11:57
